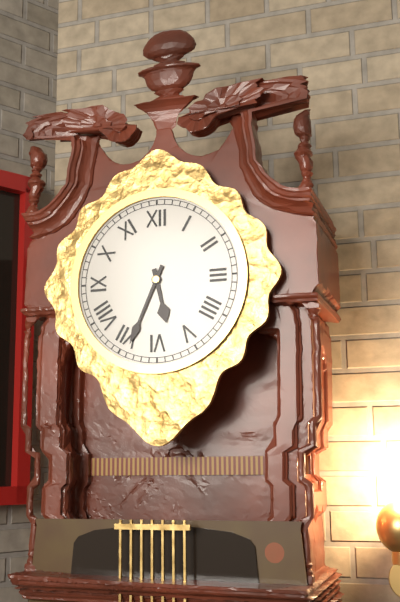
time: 5:34
